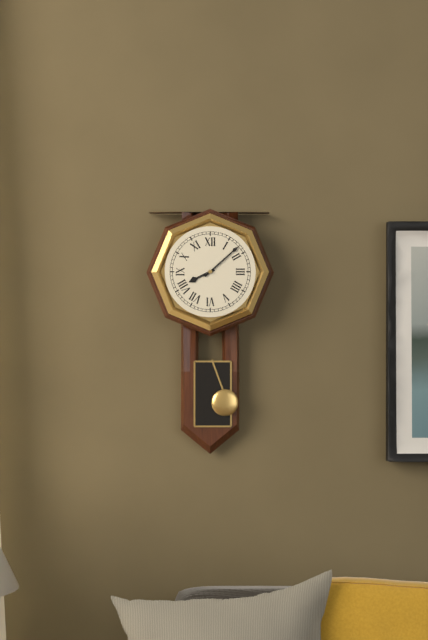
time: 8:08
